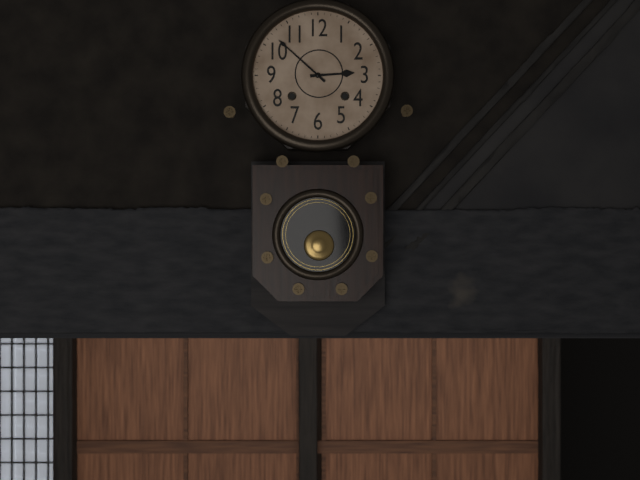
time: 2:52
